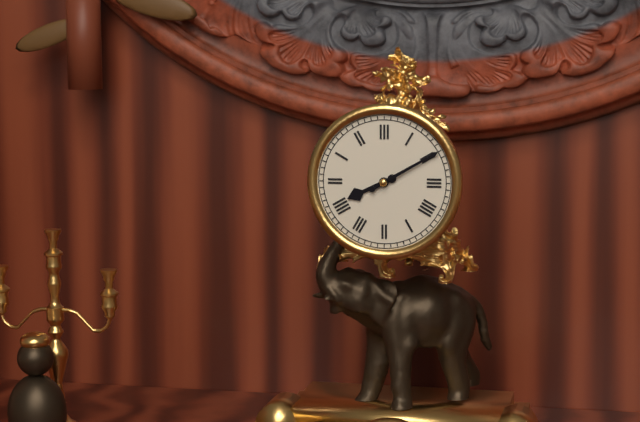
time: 8:10
